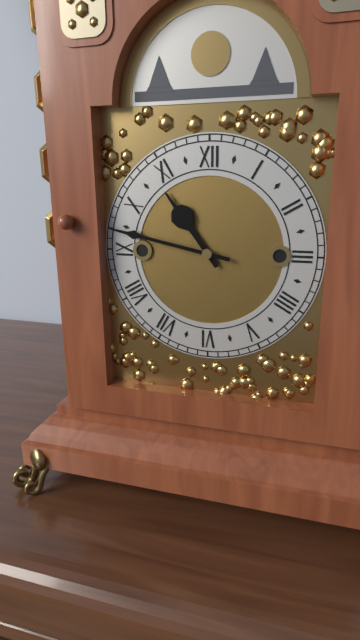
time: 10:47
